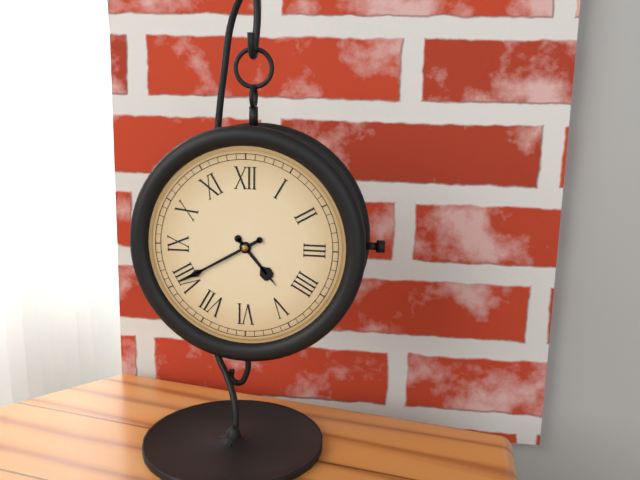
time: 4:40
